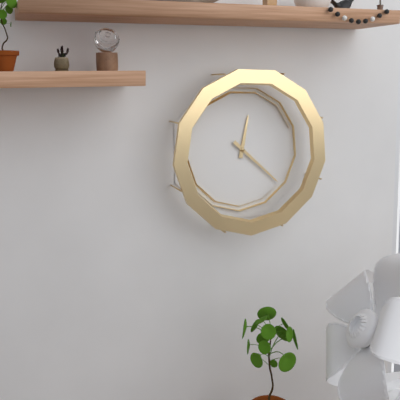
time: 12:22
